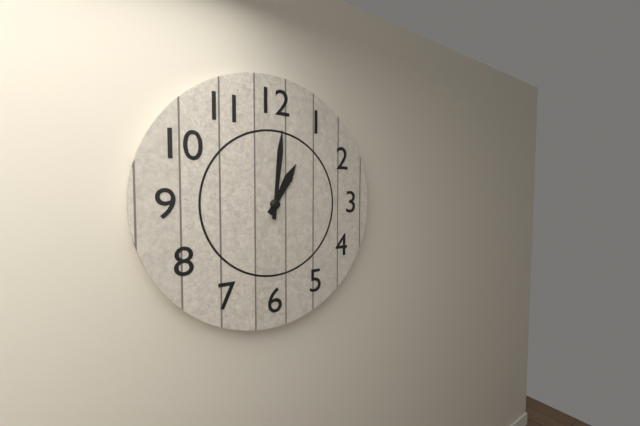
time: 1:01
